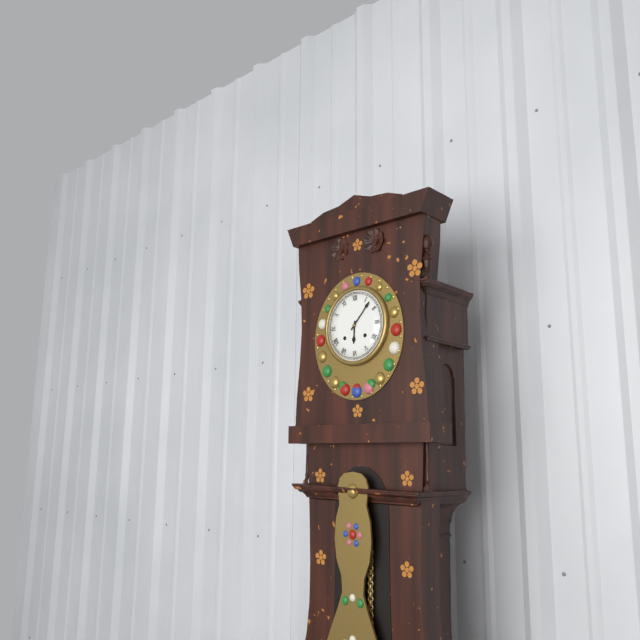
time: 6:07
